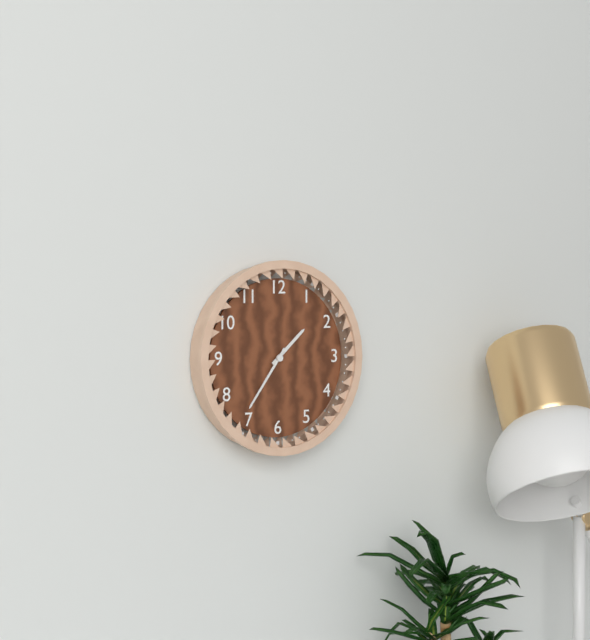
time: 1:36
